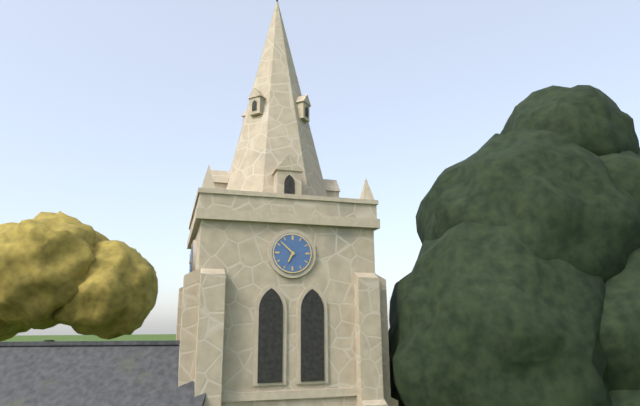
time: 6:52
